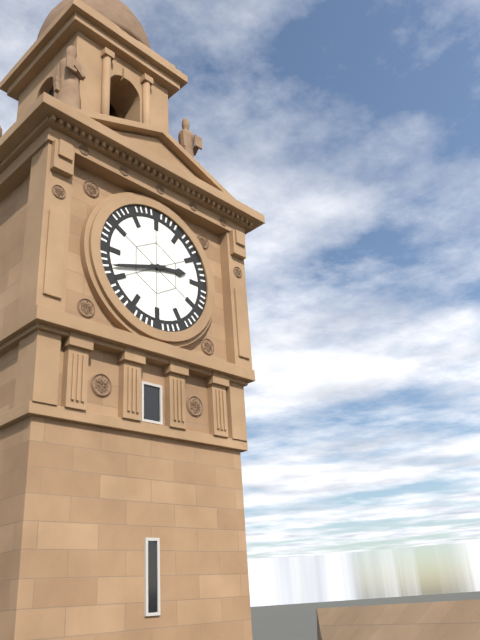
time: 2:42
